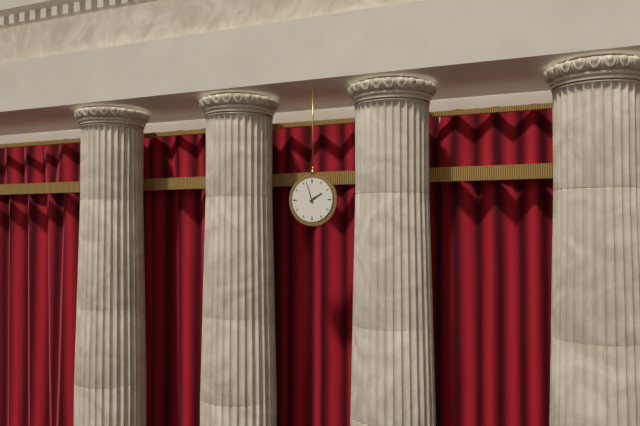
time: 1:57
